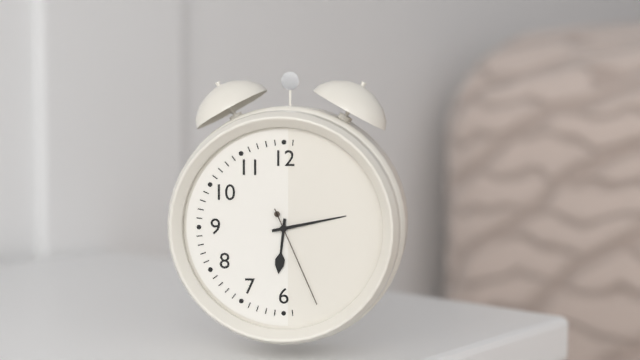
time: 6:13:26
